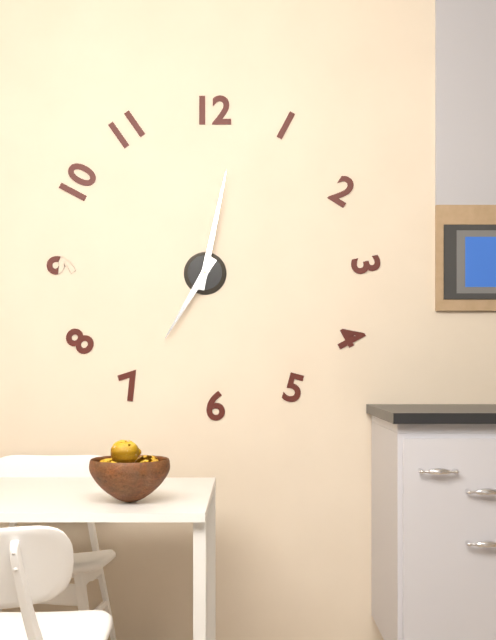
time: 7:02
